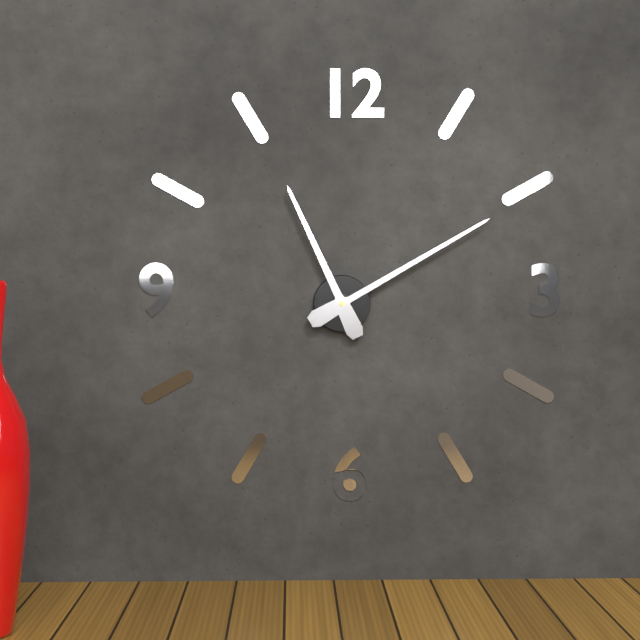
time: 11:10
